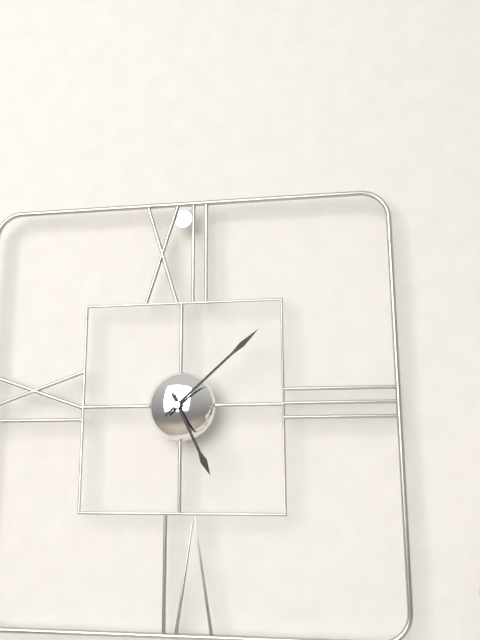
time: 5:08
